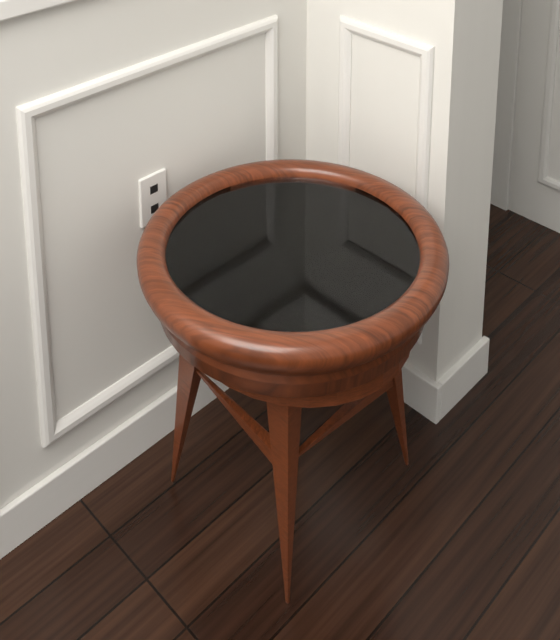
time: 3:11
